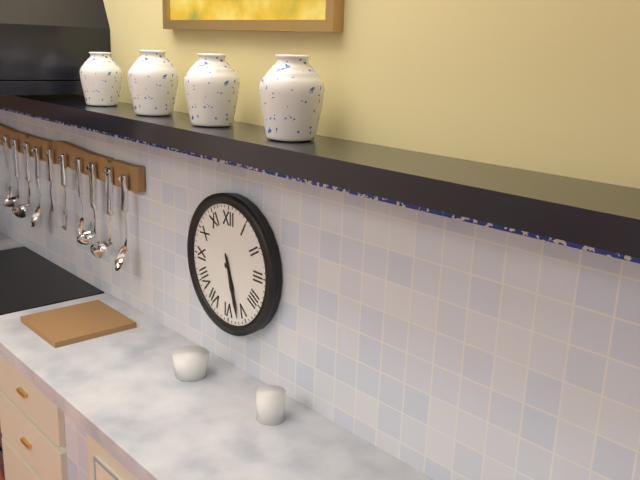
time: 5:27
